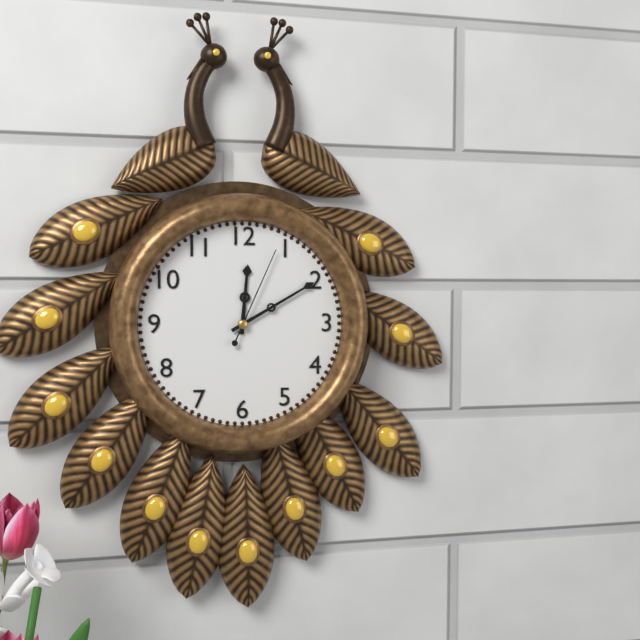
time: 12:10:04
